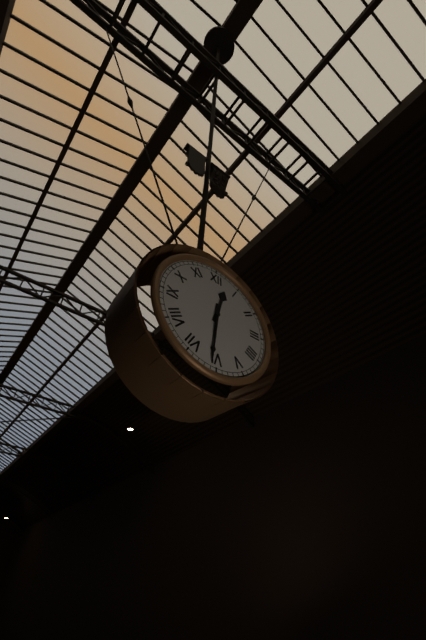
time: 12:31
